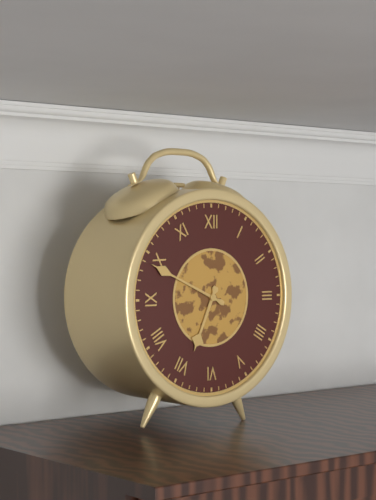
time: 6:49
